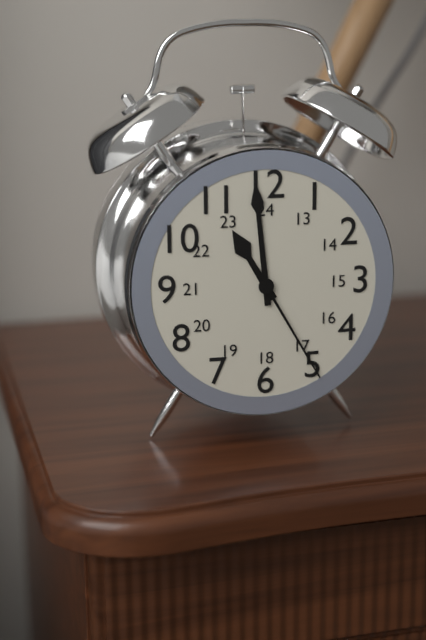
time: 10:59:25
